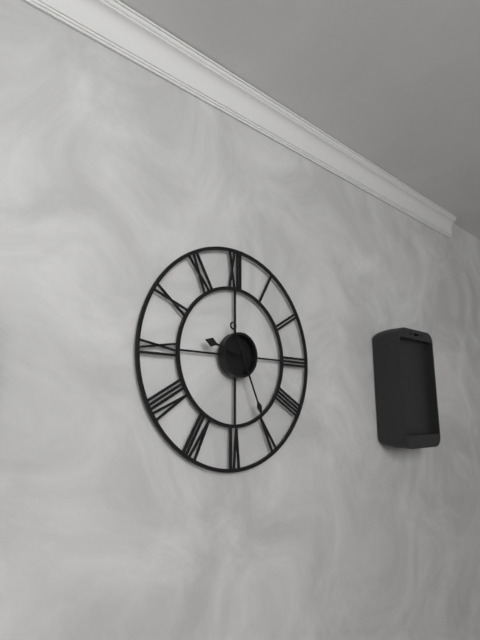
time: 9:26
